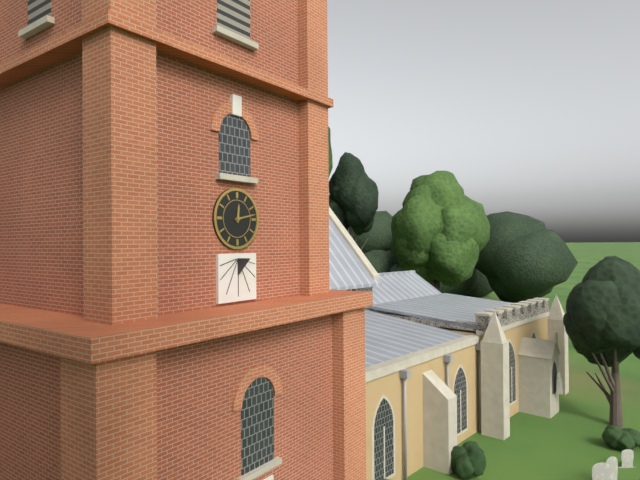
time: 12:13
